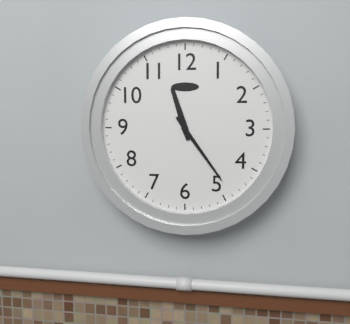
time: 11:24
